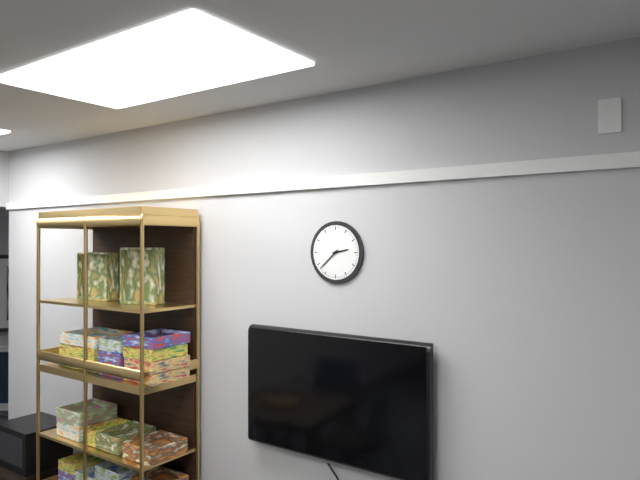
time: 2:38
